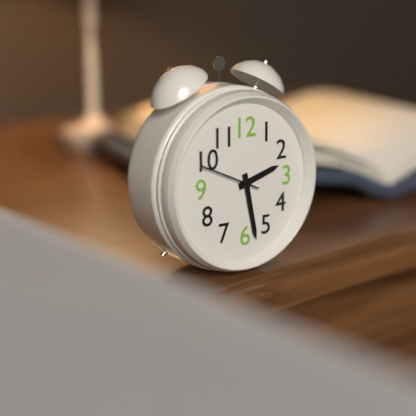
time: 2:28:49
